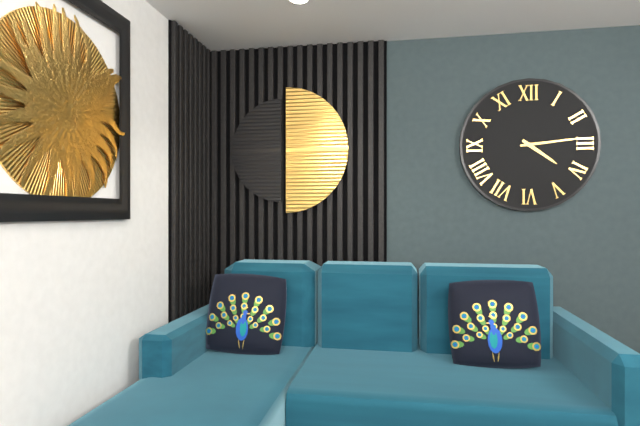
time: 4:14
